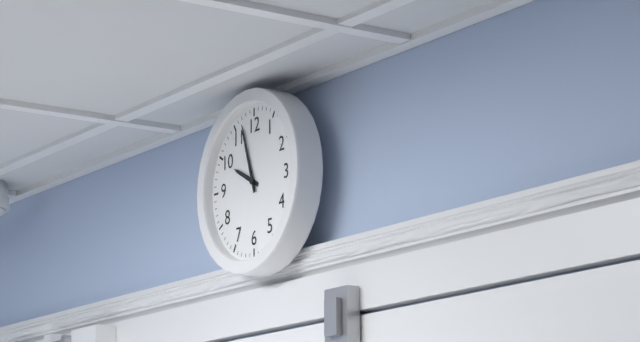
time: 9:57
